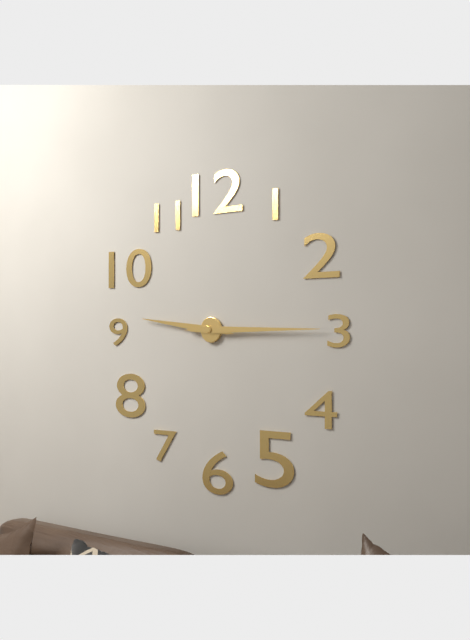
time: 9:15
